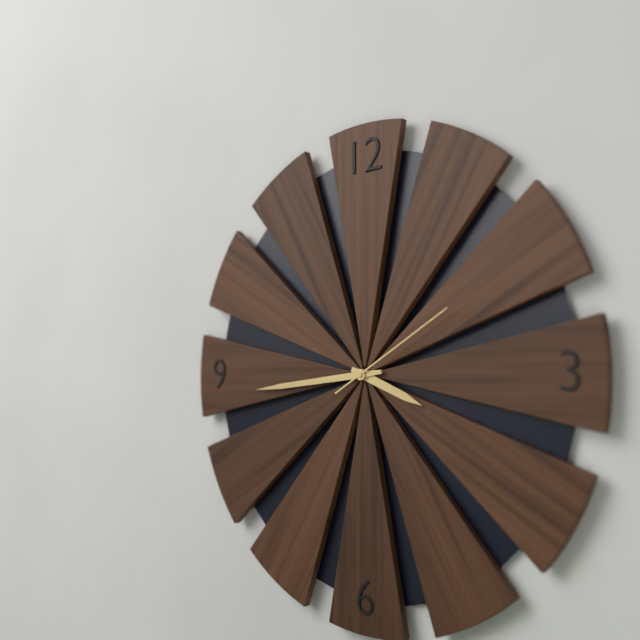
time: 3:44:10
